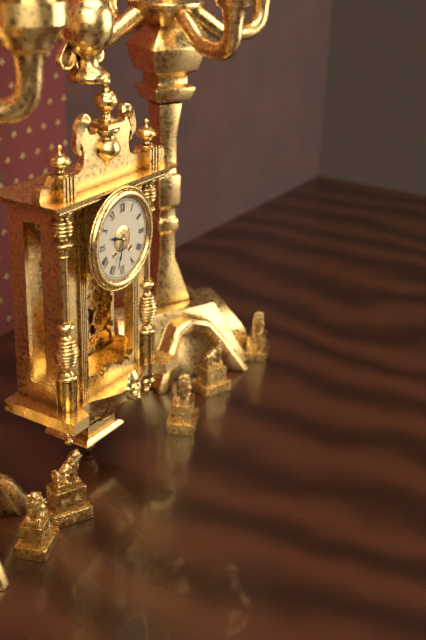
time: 9:33
